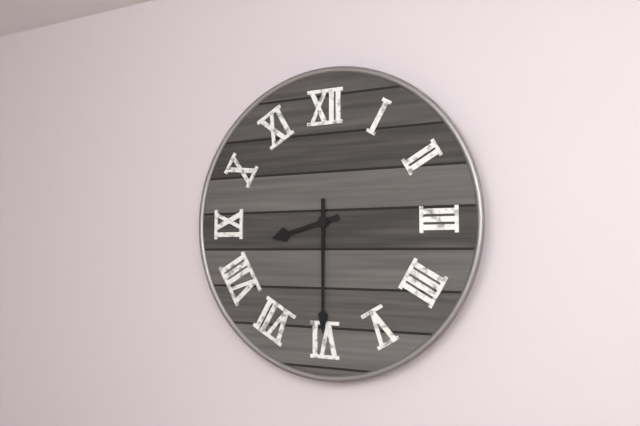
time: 8:30
